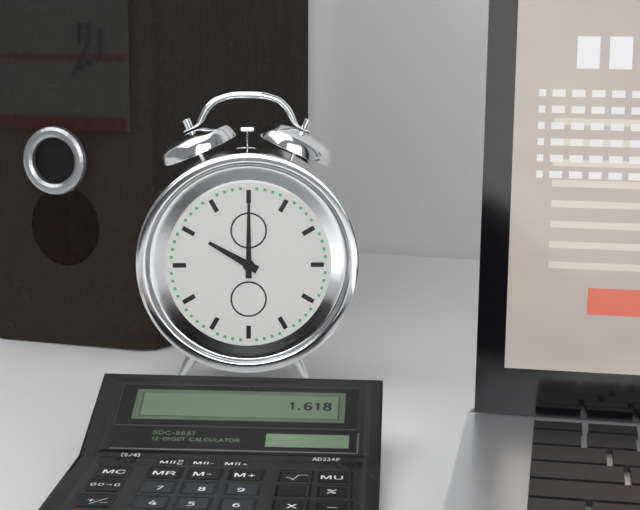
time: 10:00
